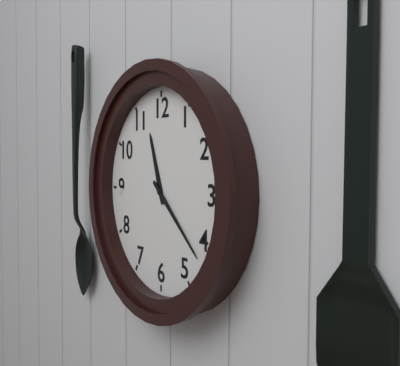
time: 11:22
